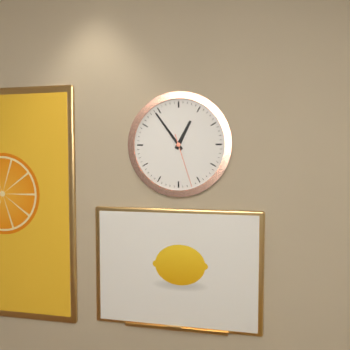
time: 12:54:27
